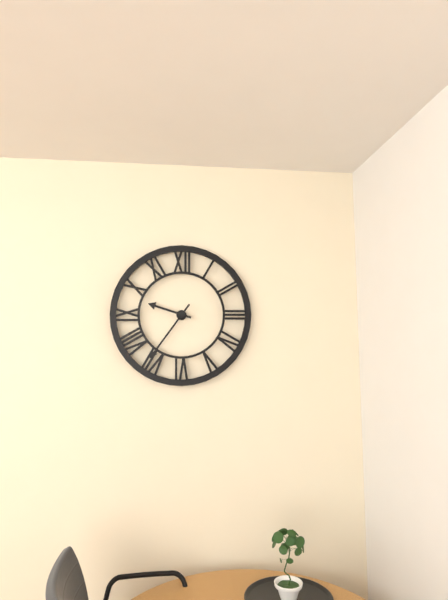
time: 9:36
